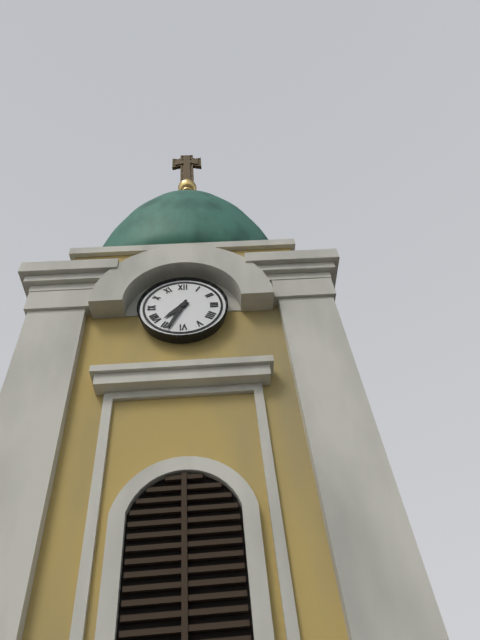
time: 7:34
